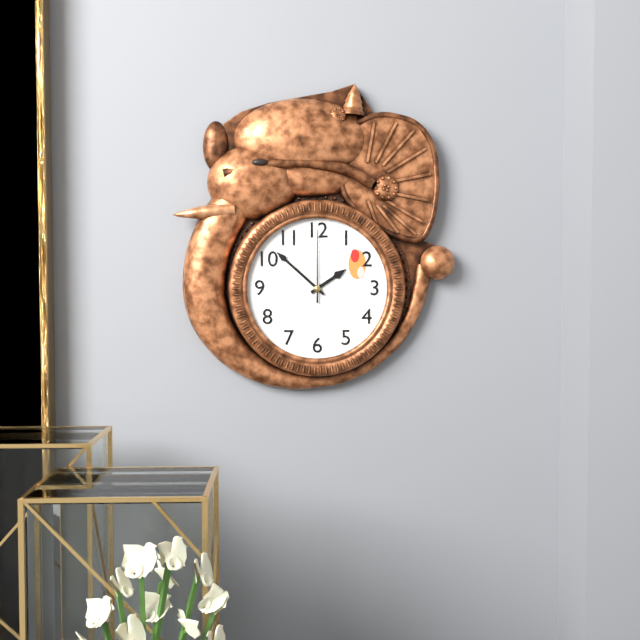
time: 1:52:00
